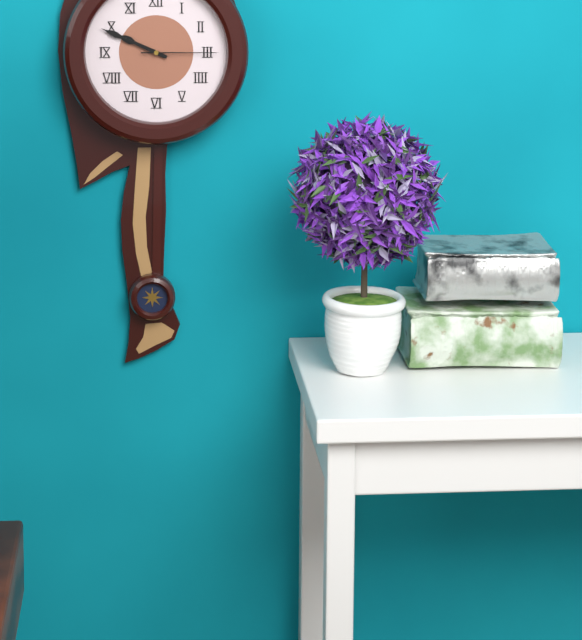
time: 9:49:15
